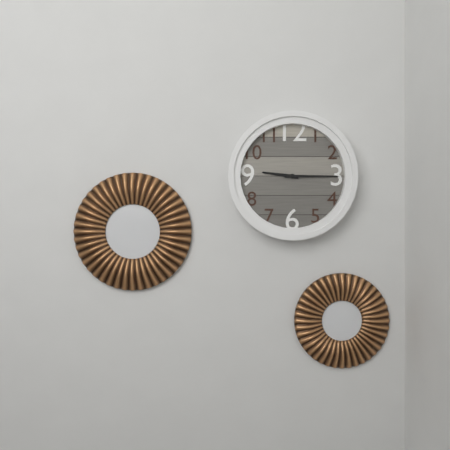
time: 9:15
